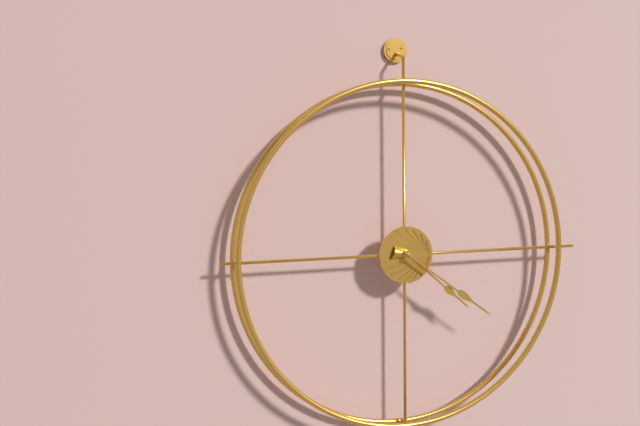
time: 4:21
